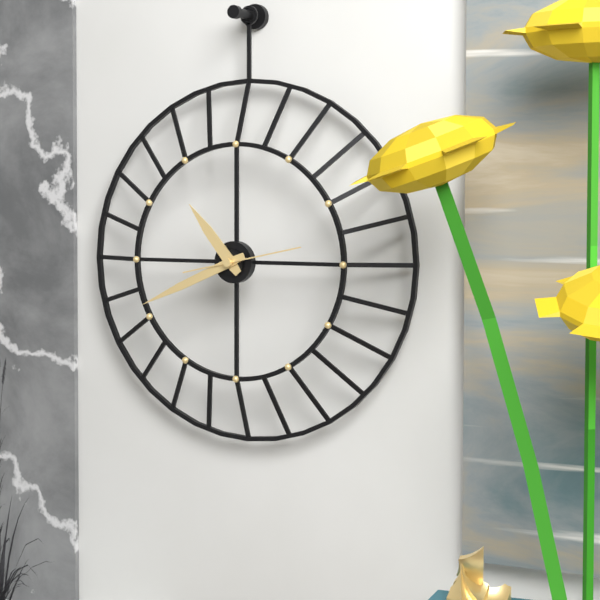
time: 10:41:13
